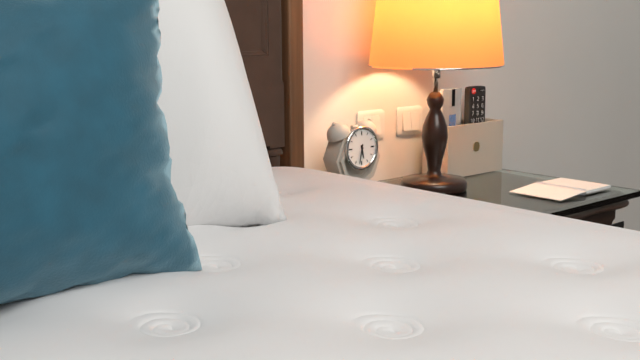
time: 5:32
